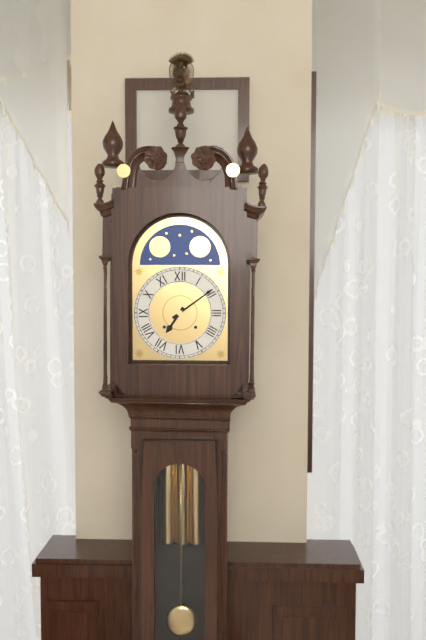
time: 7:09
